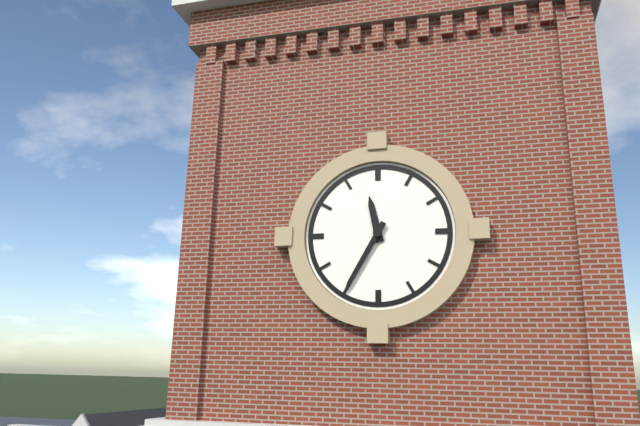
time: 11:35
